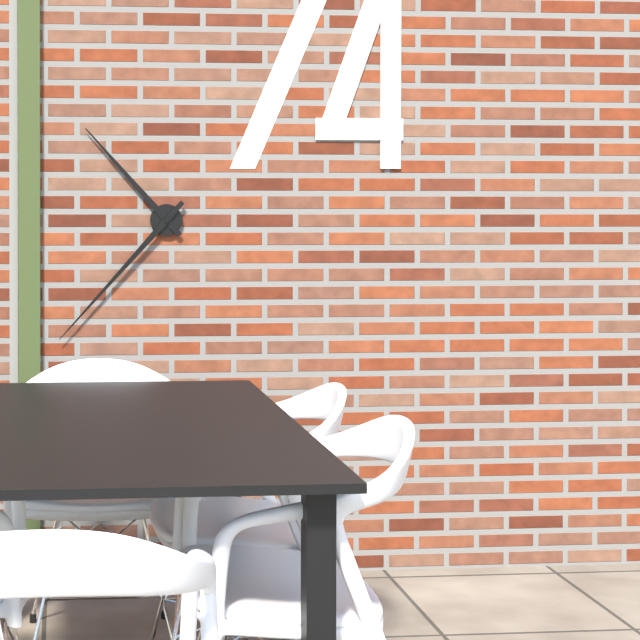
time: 10:37
